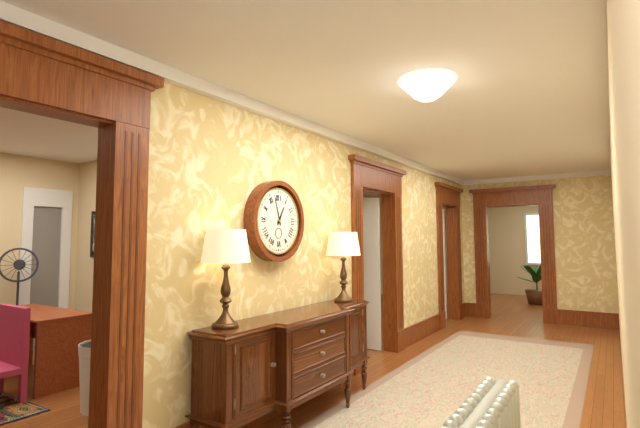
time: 12:57
